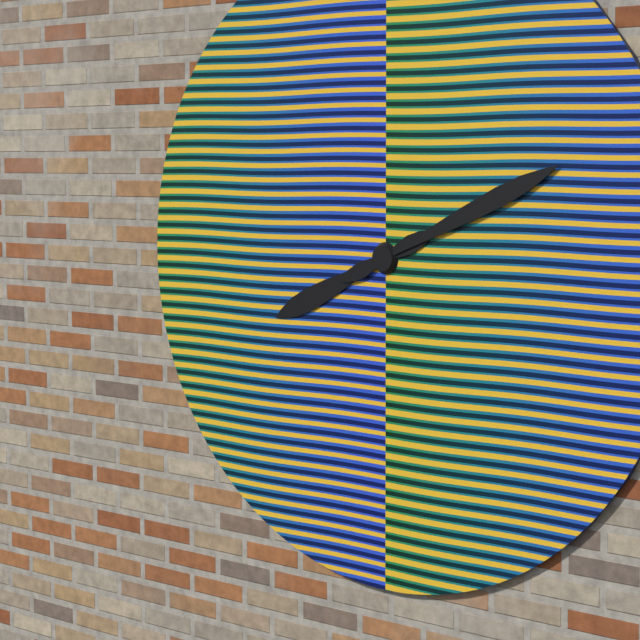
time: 8:11
